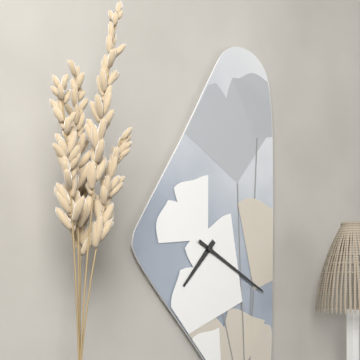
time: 7:20
